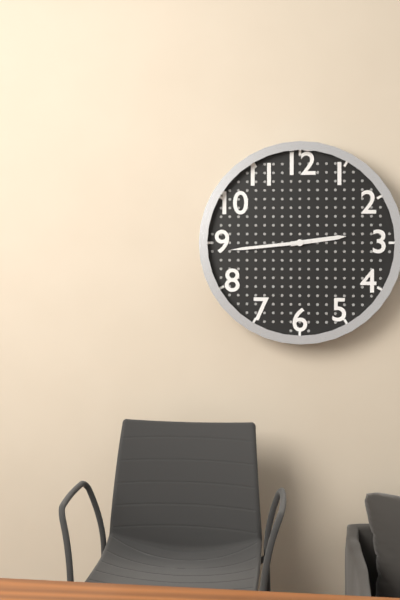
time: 2:44
